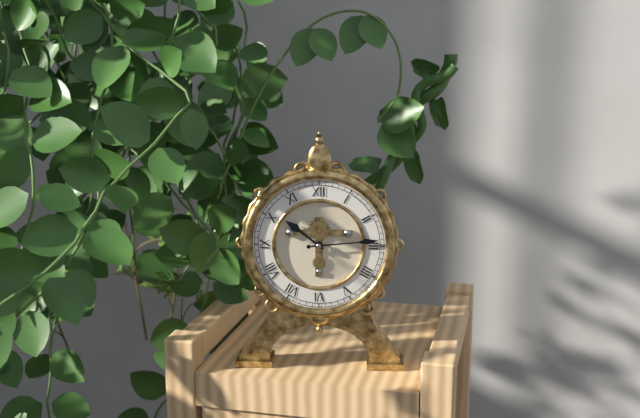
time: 10:14
